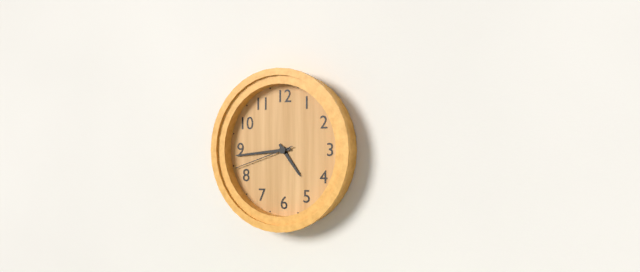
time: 4:44:42
